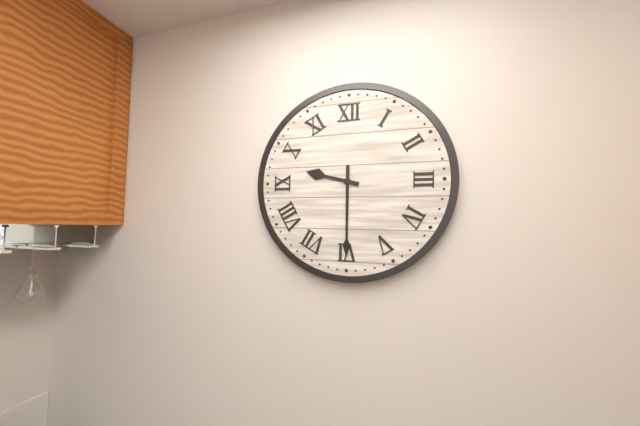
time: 9:30
